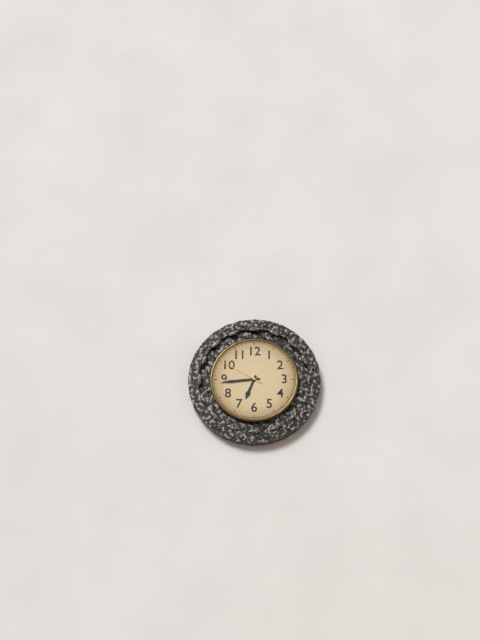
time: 6:44
